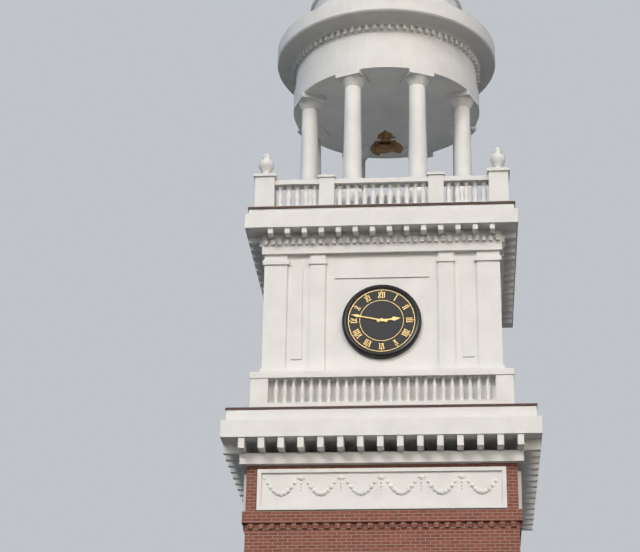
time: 2:47
